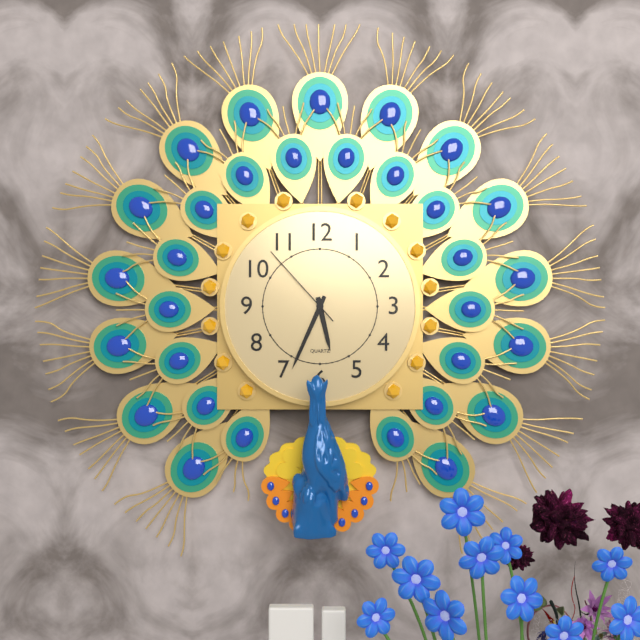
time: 5:34:53
